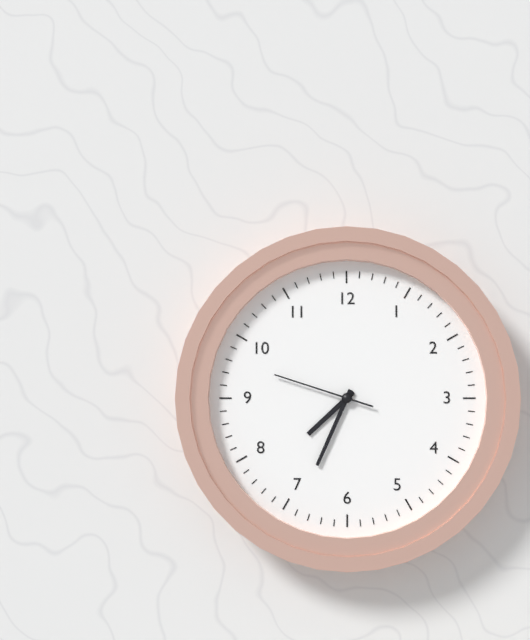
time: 7:34:48
